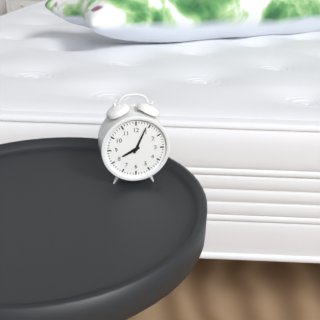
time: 8:04
